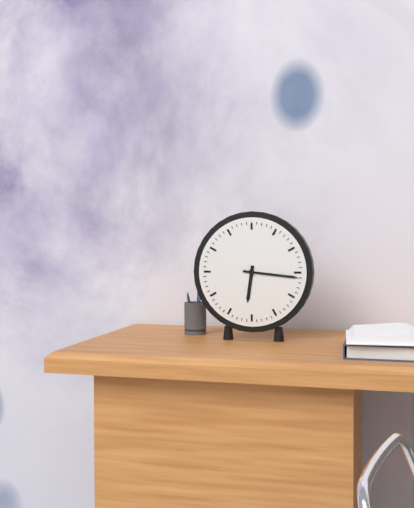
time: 6:16
